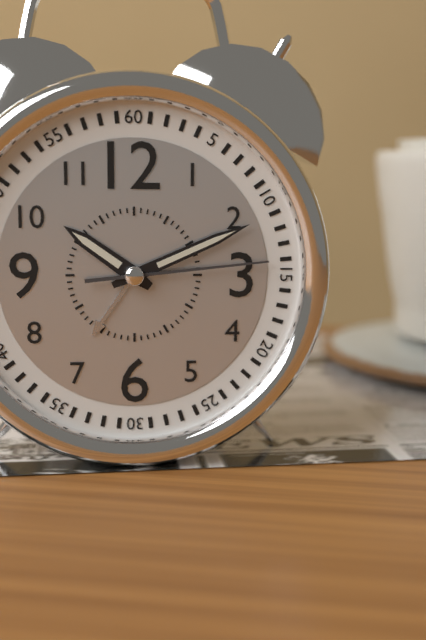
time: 10:11:14
